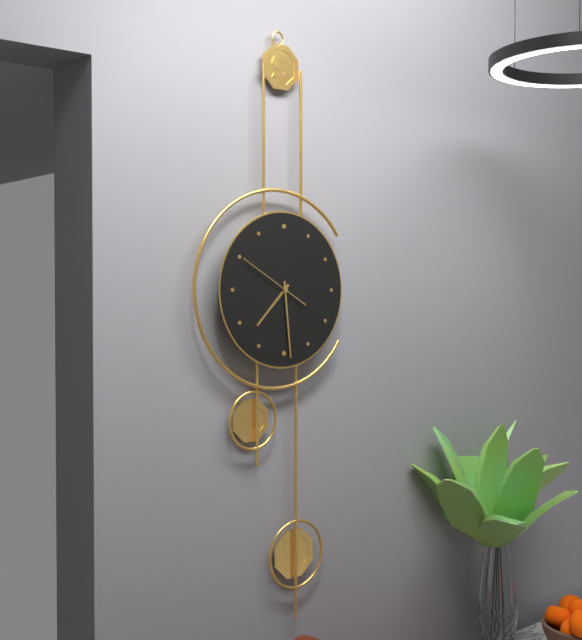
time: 7:29:50
